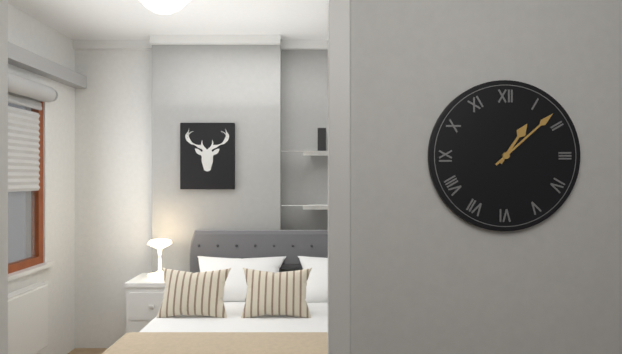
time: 1:08
